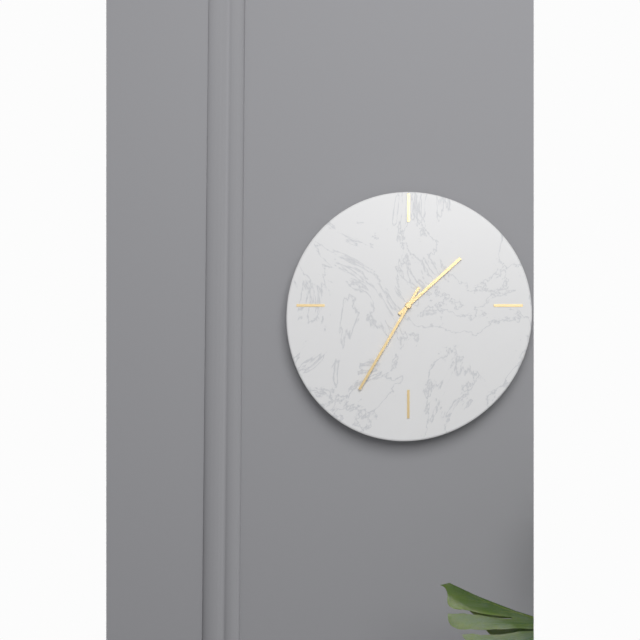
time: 1:35
